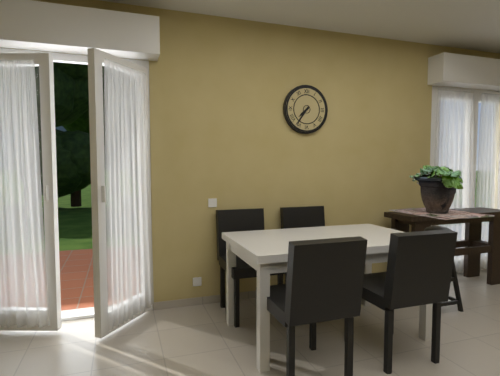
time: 7:36
